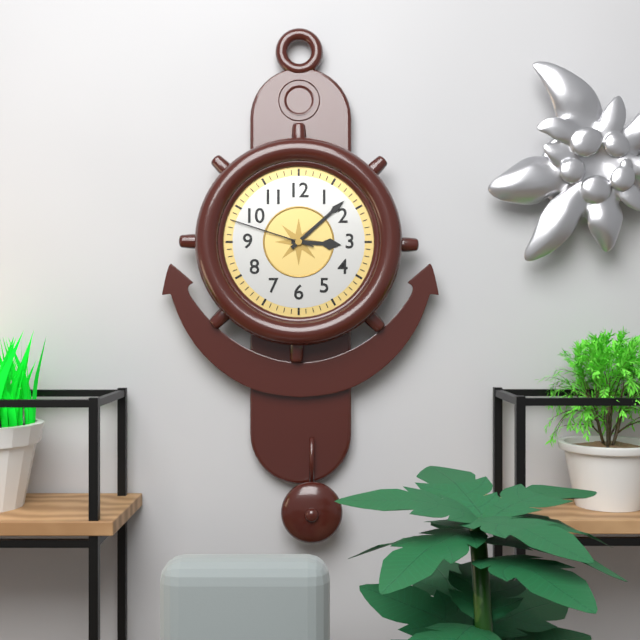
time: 3:08:48
